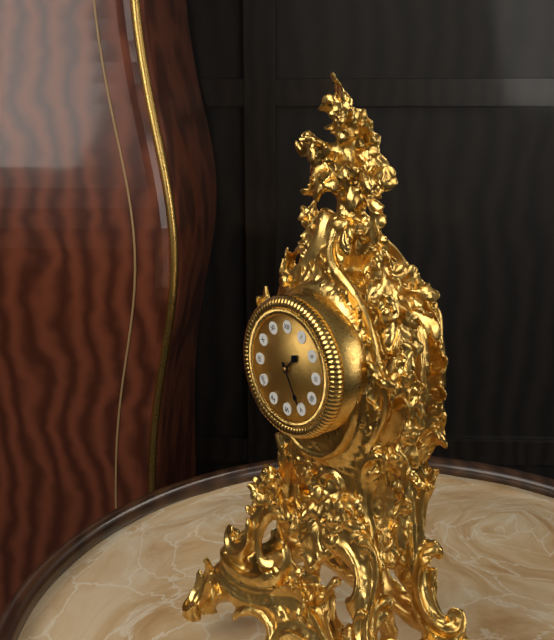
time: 1:25
